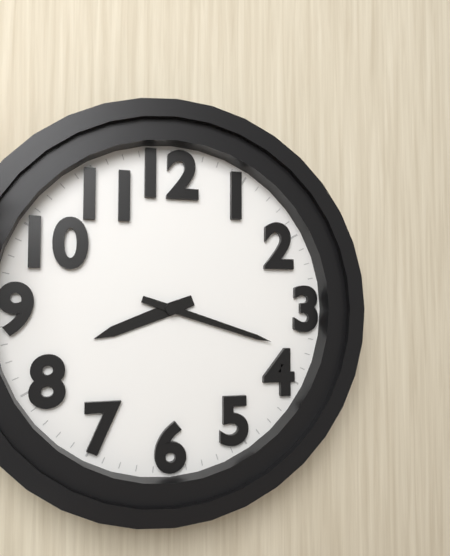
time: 8:18
